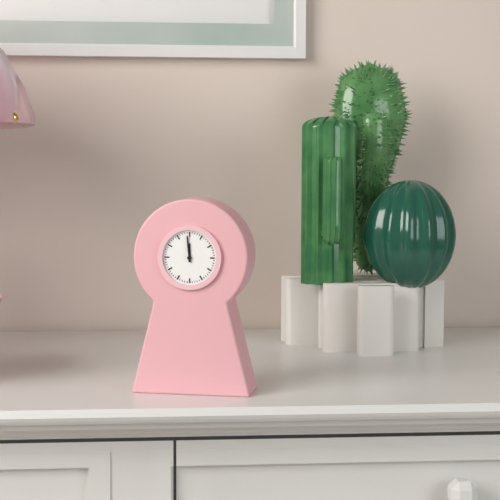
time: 11:59
